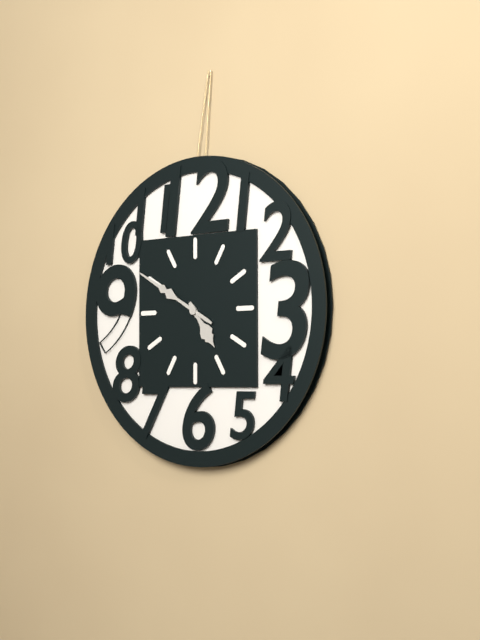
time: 4:50
